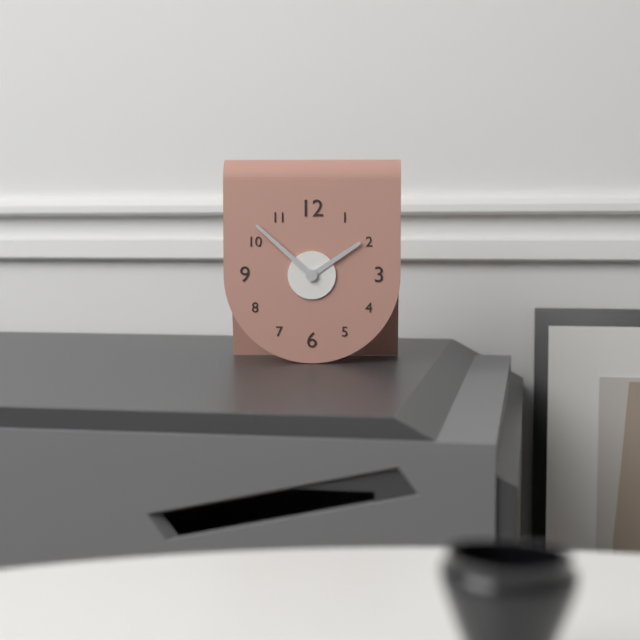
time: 1:52
